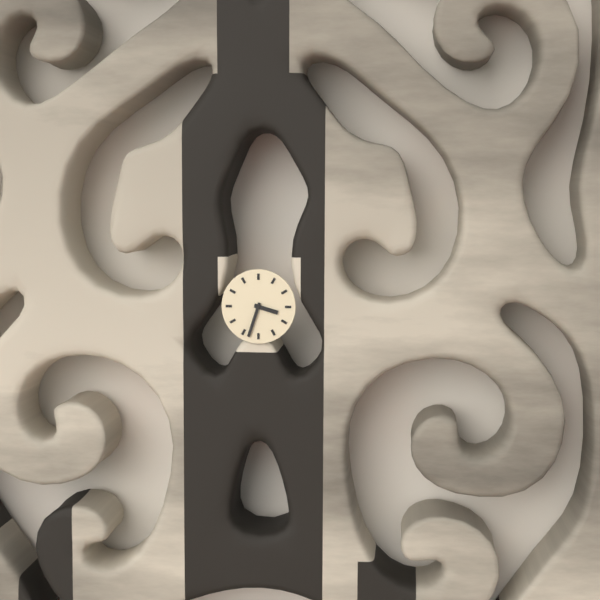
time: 3:33
